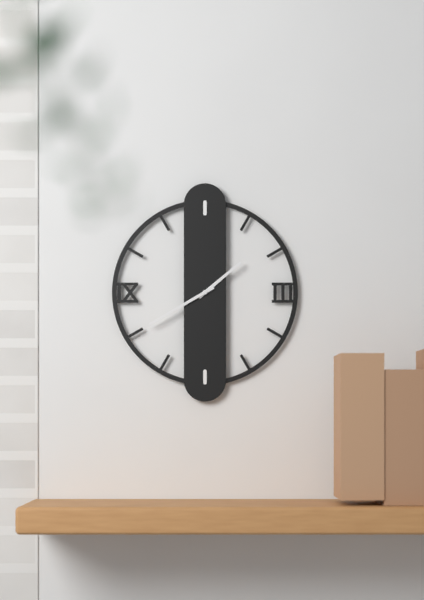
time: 1:40
